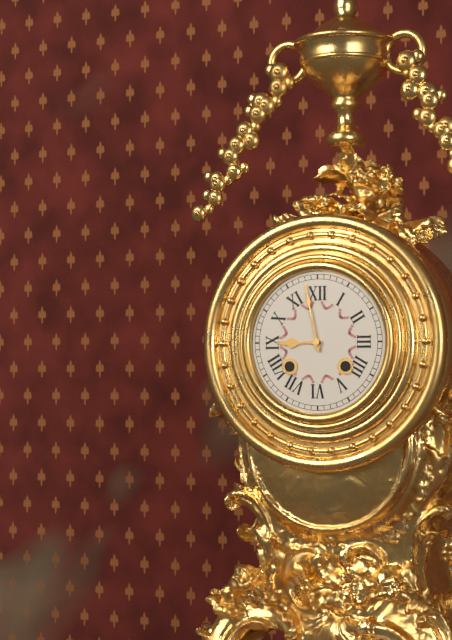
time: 8:58
